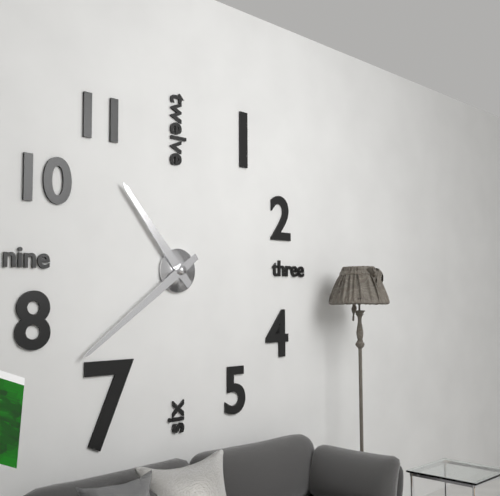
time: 10:39
